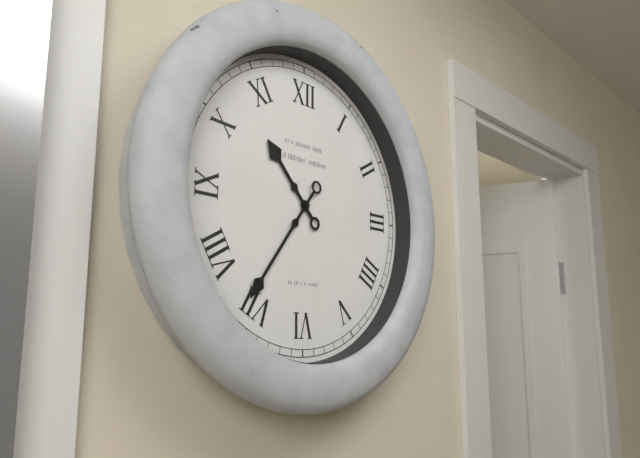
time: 10:36
